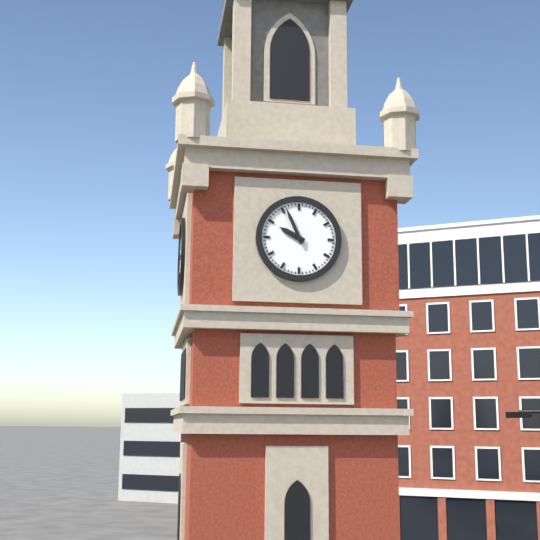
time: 9:56
